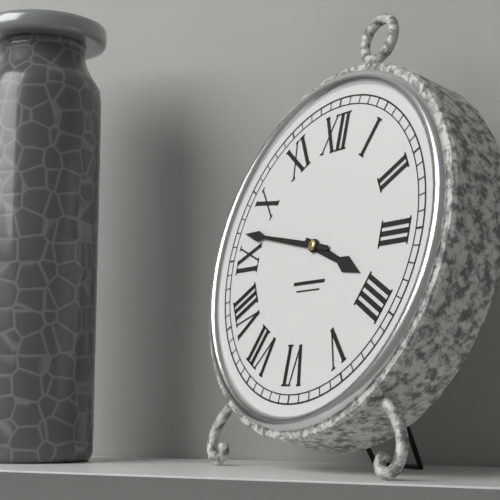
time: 3:47
